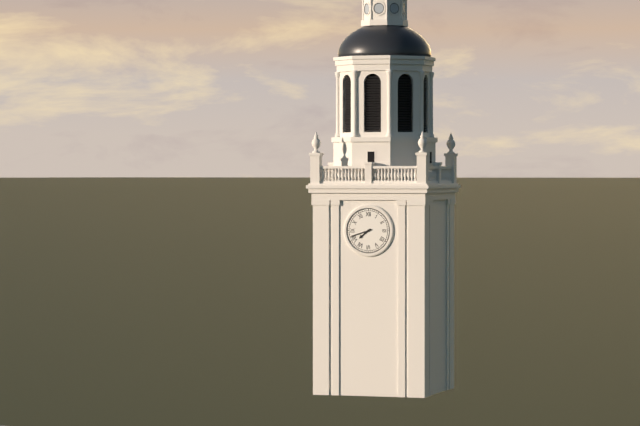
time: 7:42
